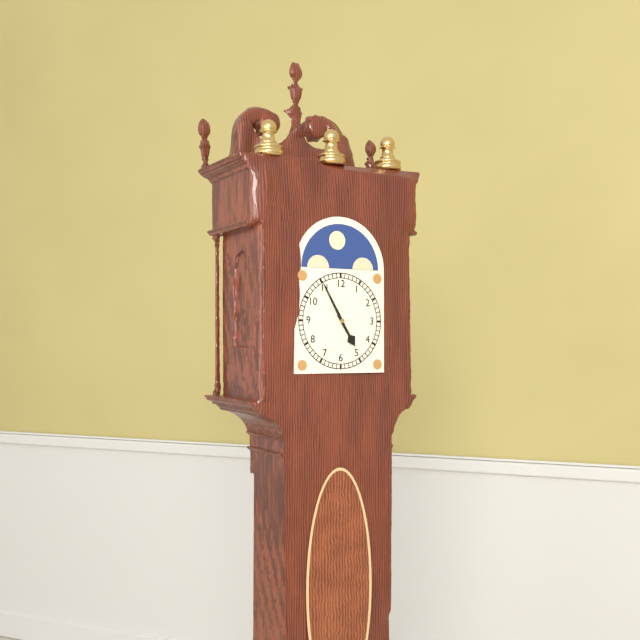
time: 4:55
